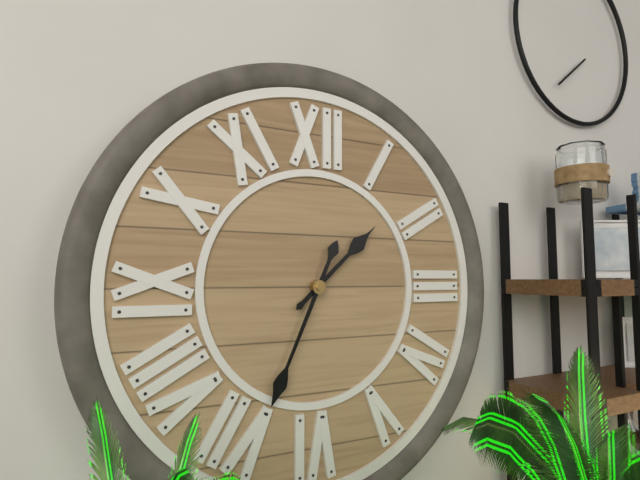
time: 1:34
